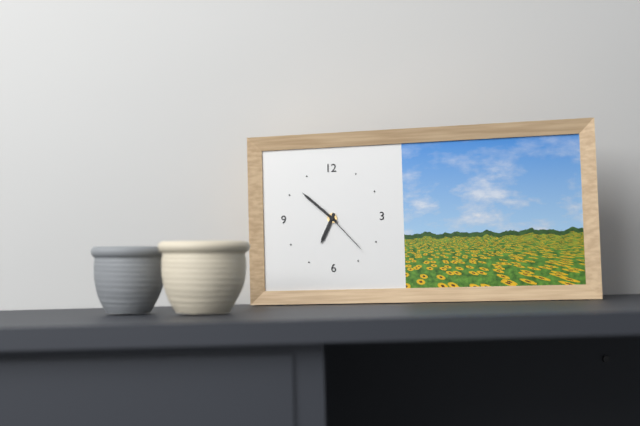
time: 6:52:23
